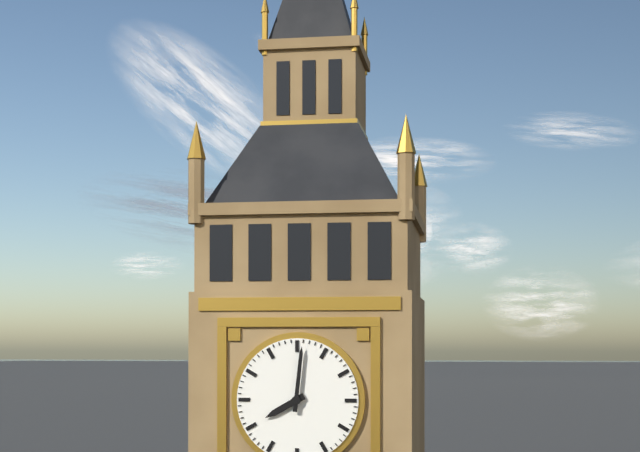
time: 8:01
